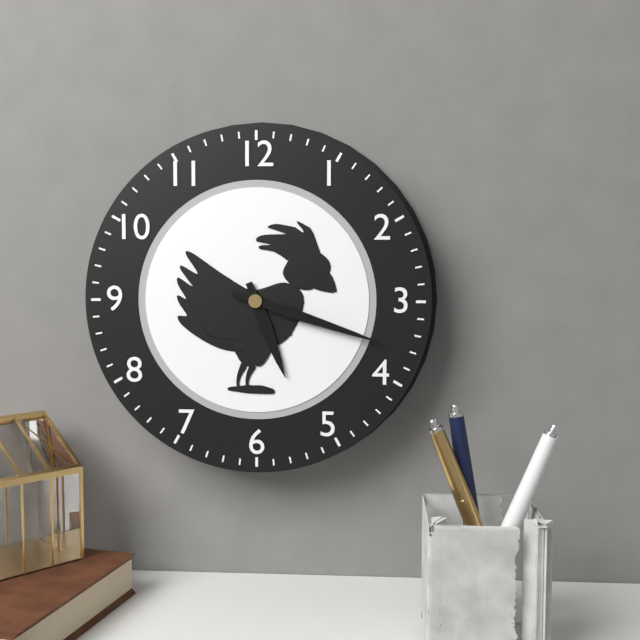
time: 5:18
